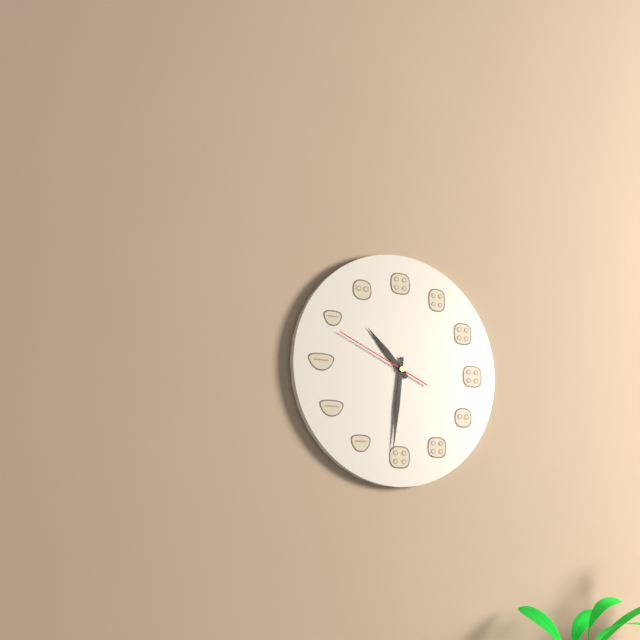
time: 10:31:49
